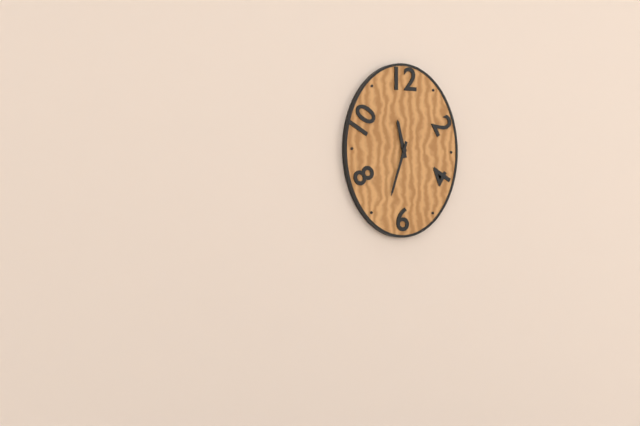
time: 11:33
